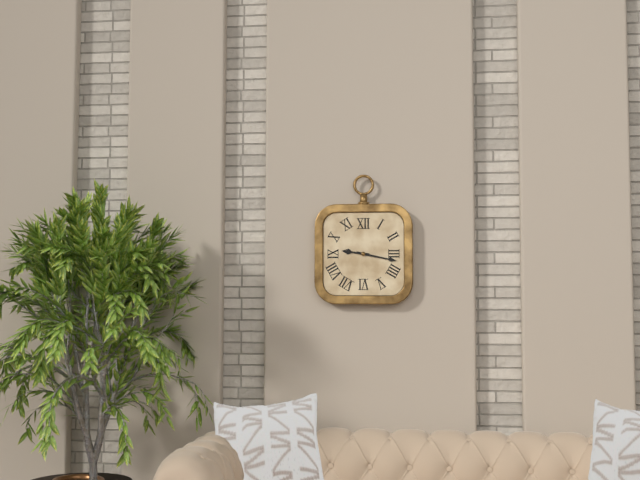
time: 9:17
